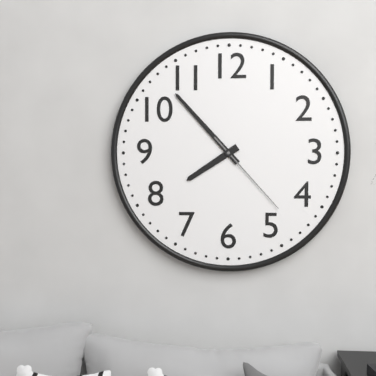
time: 7:53:23
